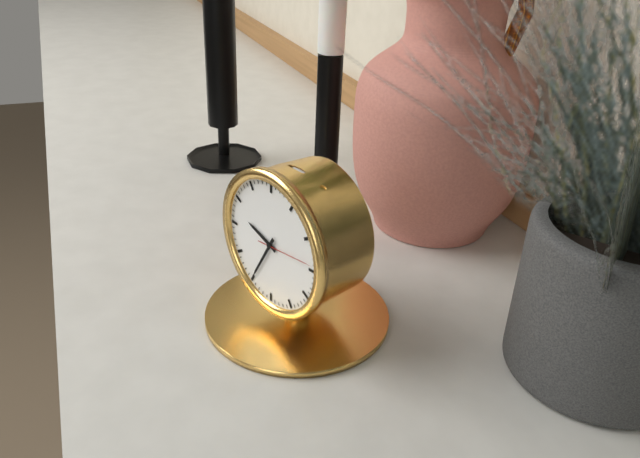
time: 9:35:14
